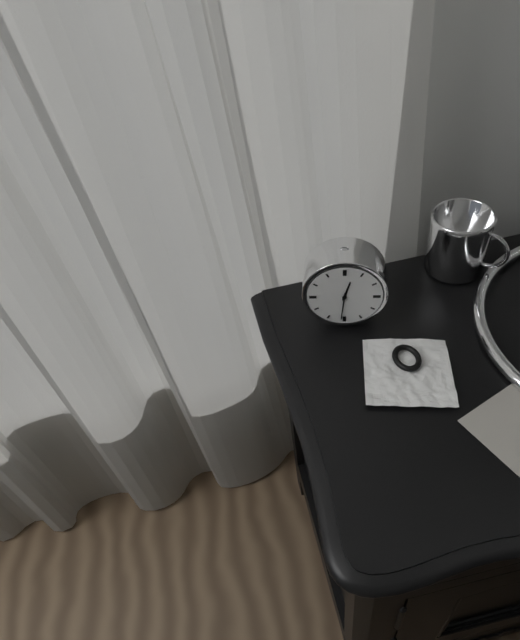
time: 12:31
